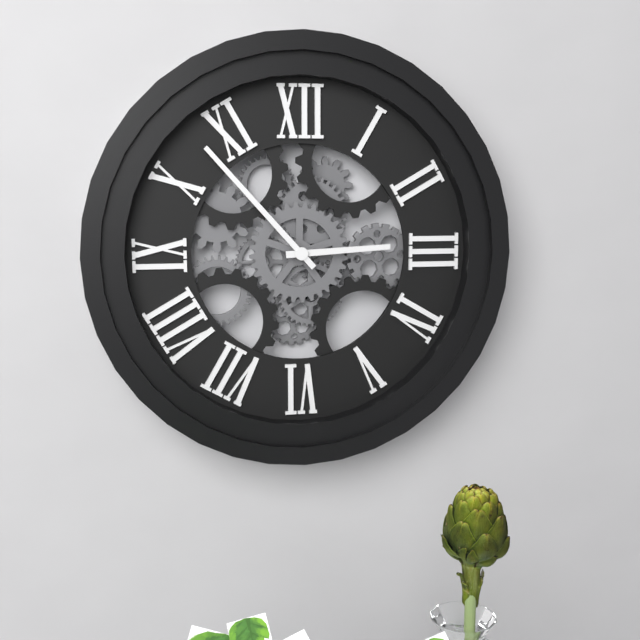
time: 2:53
